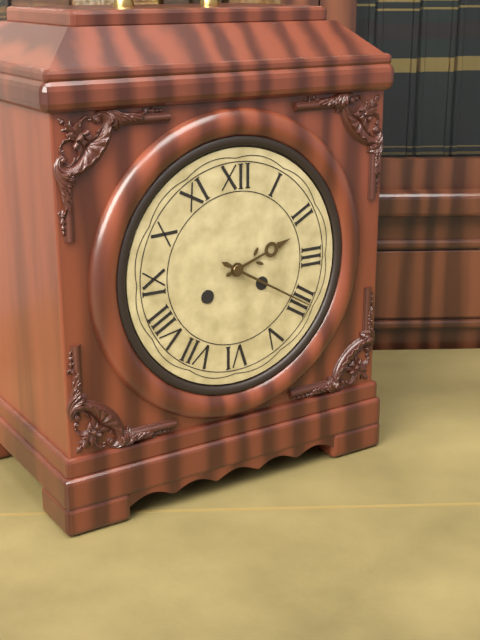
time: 2:20
